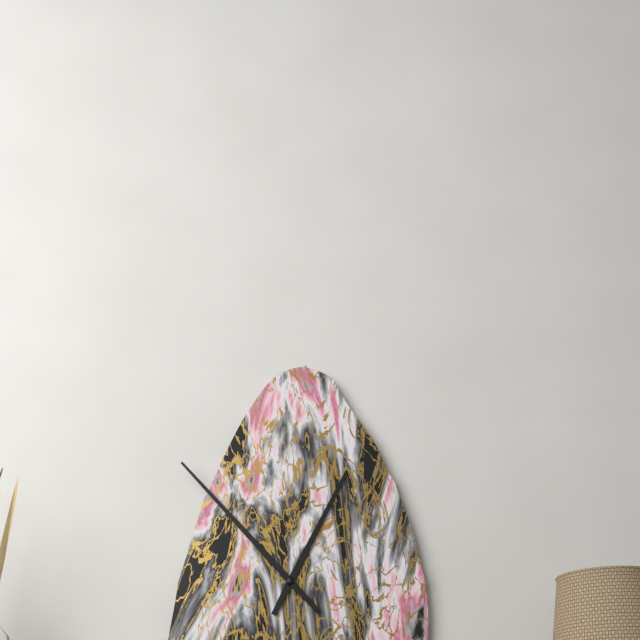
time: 12:53
